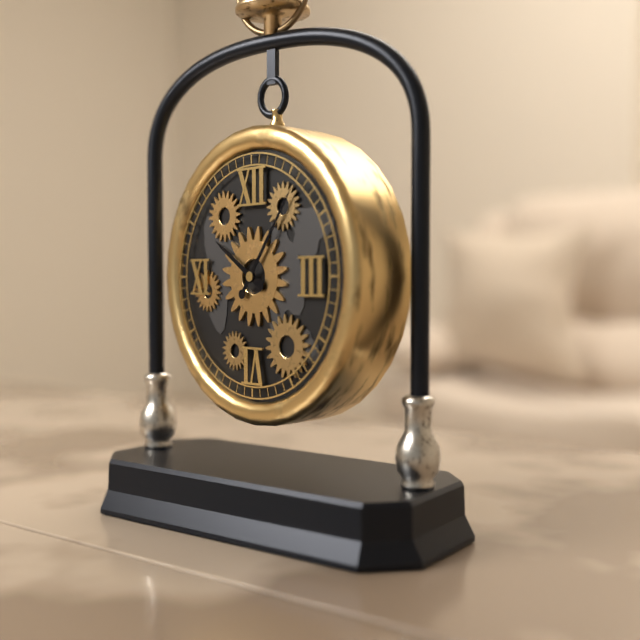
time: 10:06
